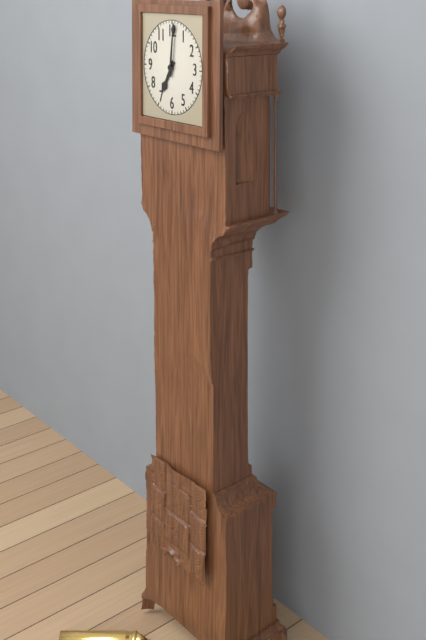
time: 7:01
